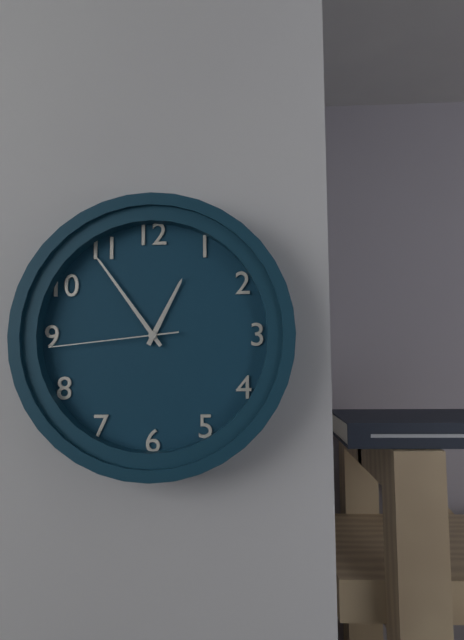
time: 12:54:44
